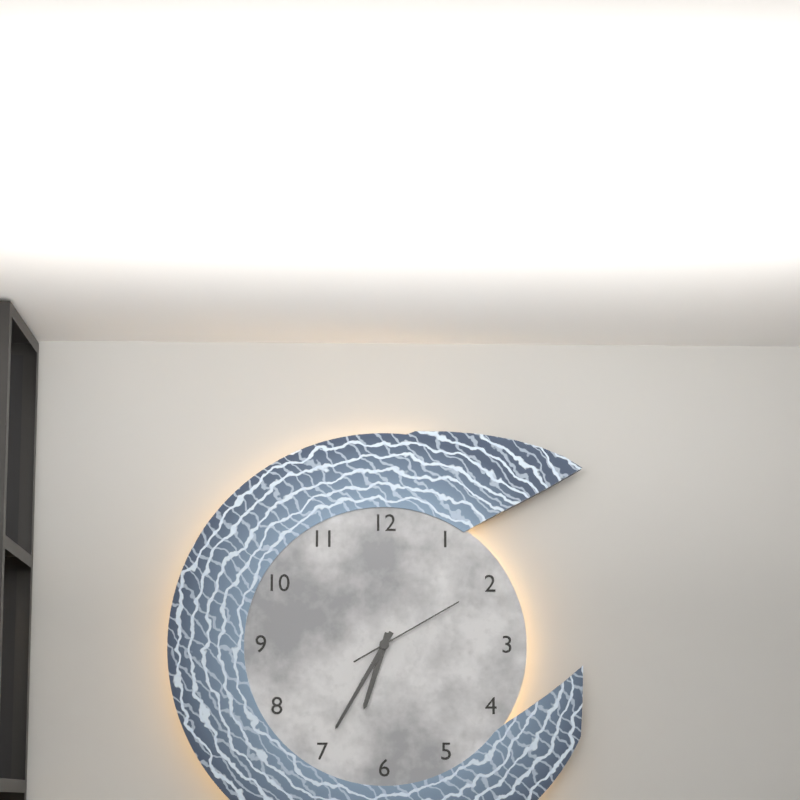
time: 6:35:10
